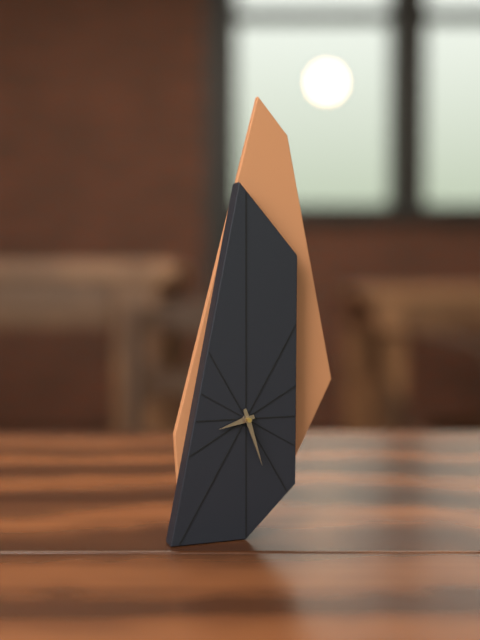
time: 8:27
